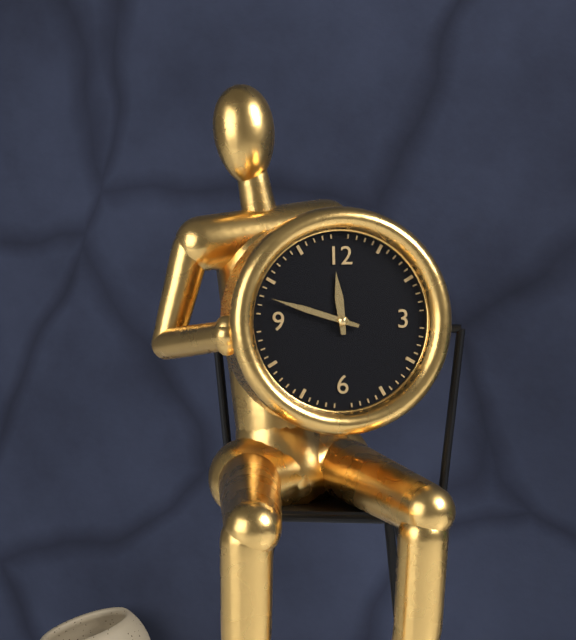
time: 11:48
